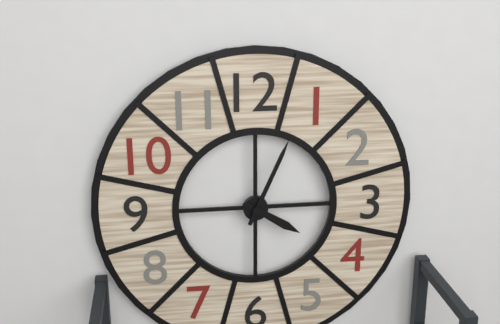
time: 4:04
